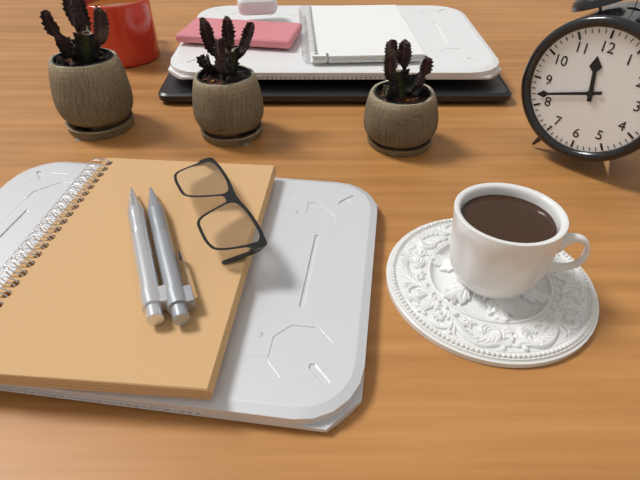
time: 11:42
